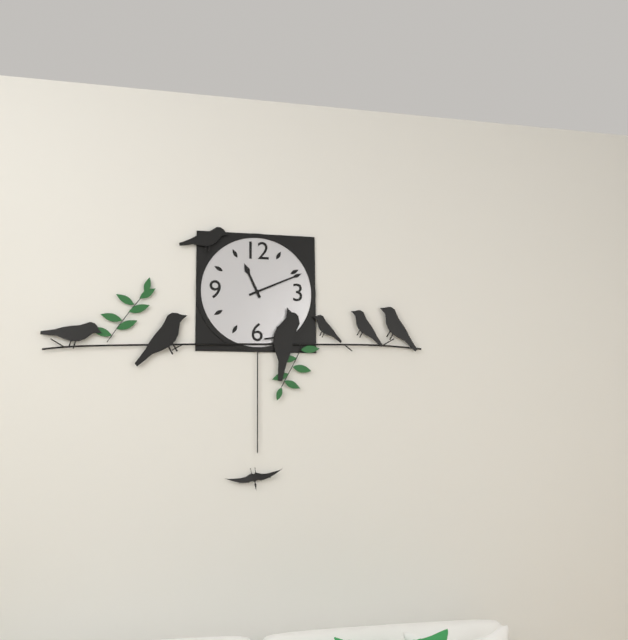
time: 11:11
